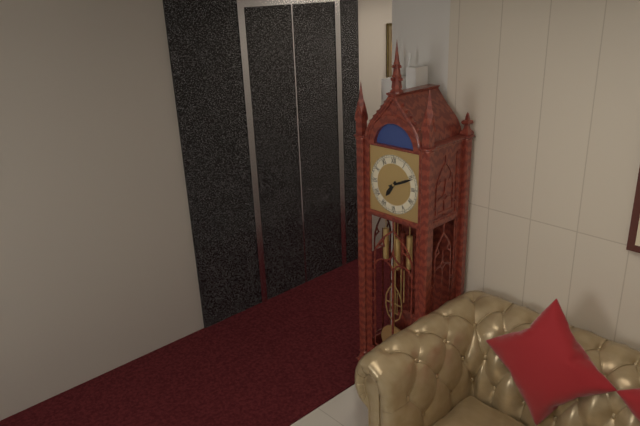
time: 7:11
